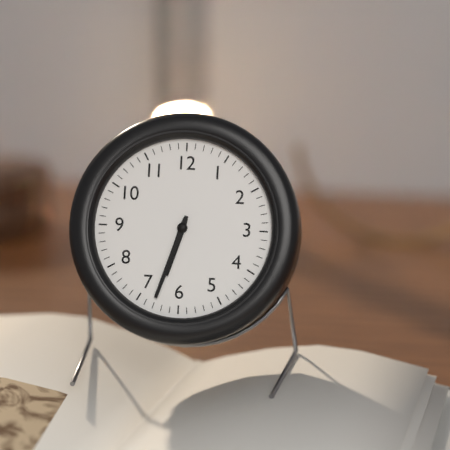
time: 6:33
